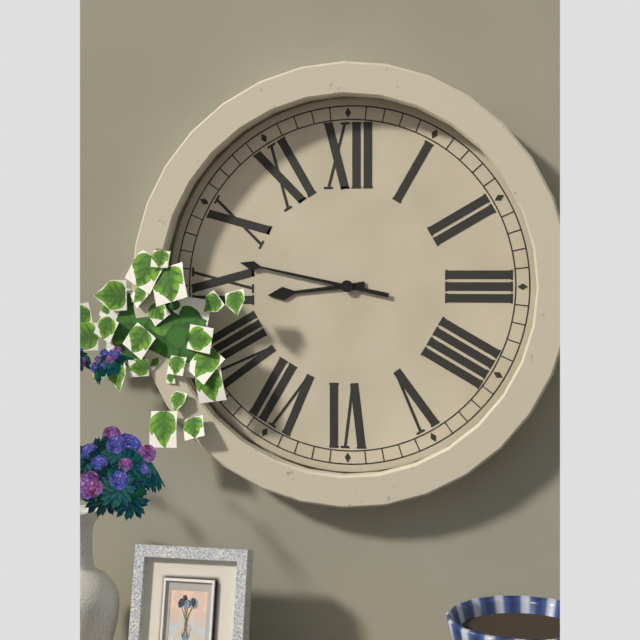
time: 8:47
